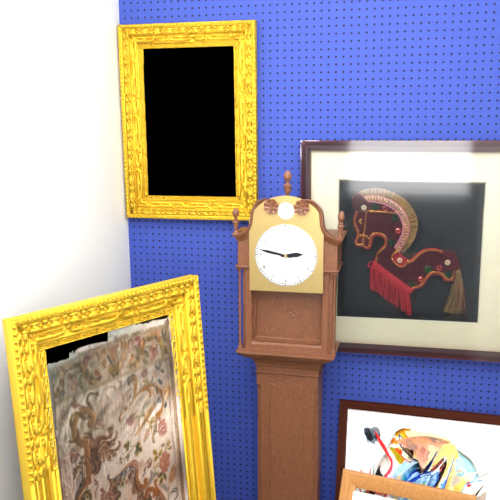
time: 2:47
